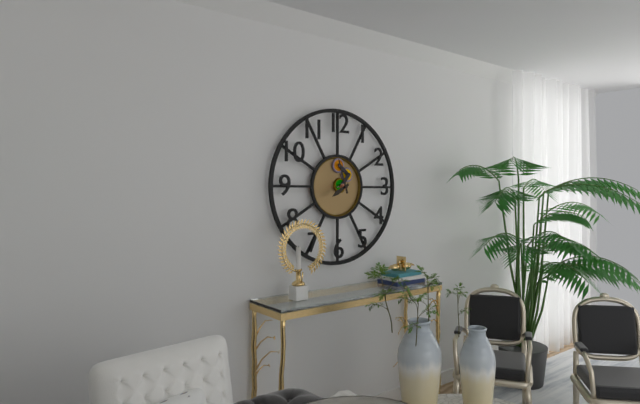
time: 7:57
